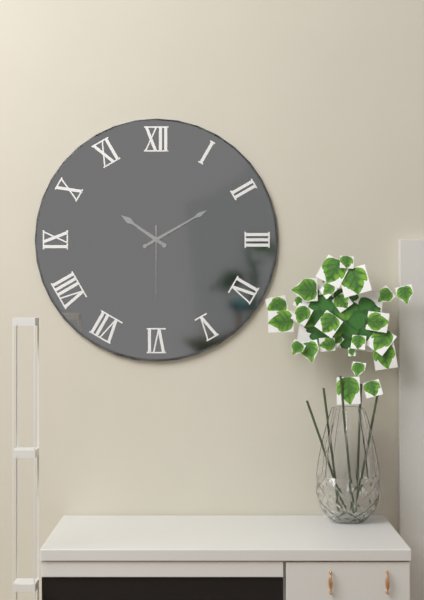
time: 10:10:30
